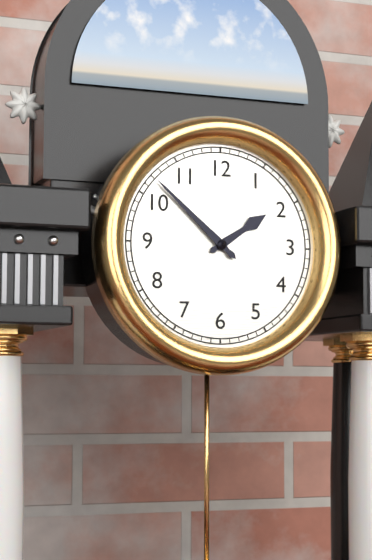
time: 1:52
